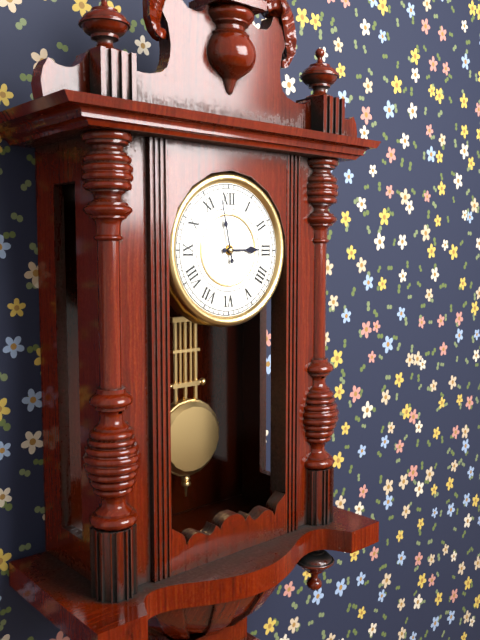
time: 2:58
